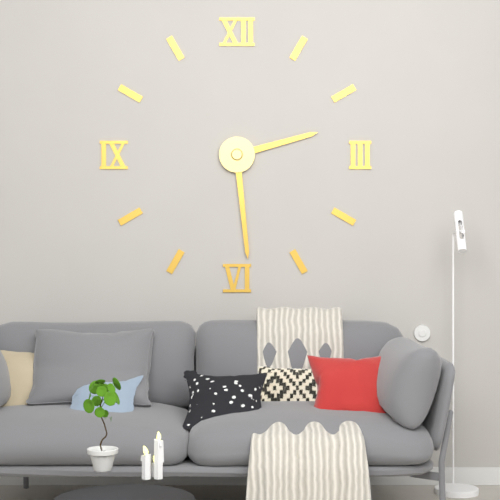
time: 2:29
